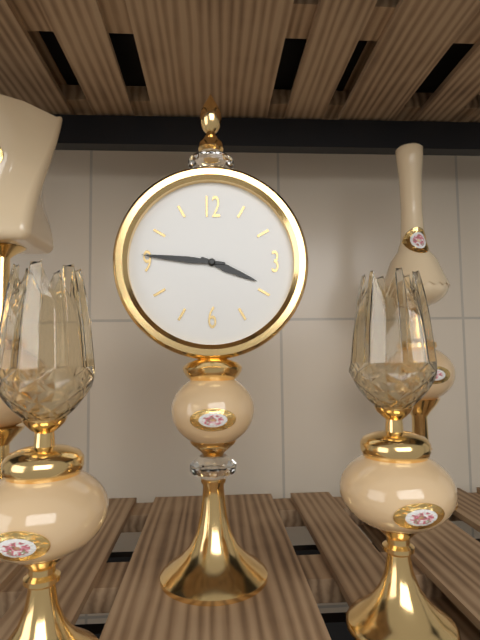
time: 3:46
